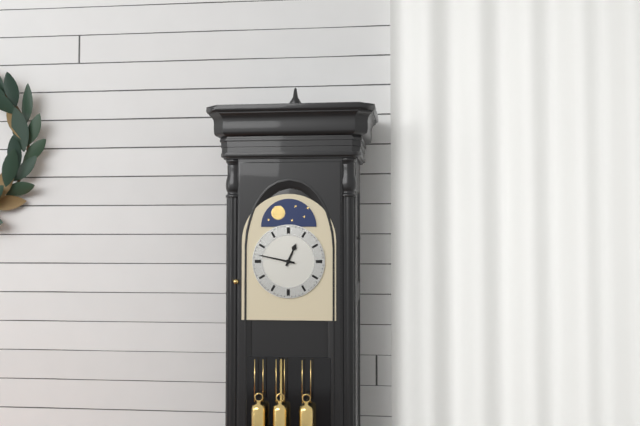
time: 12:47
